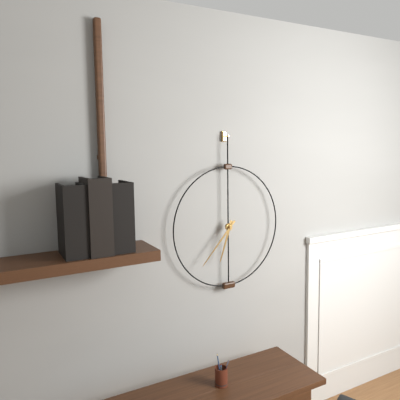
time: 6:37
